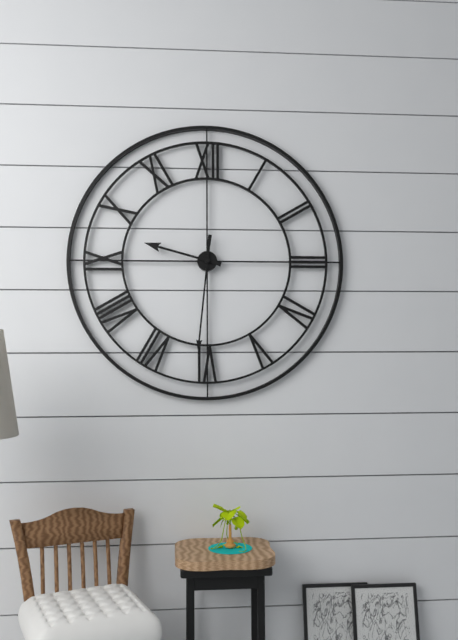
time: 9:31
